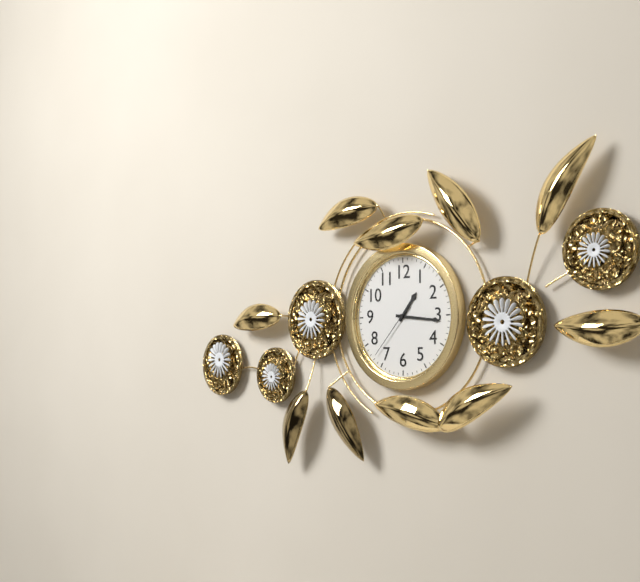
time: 1:16:37
